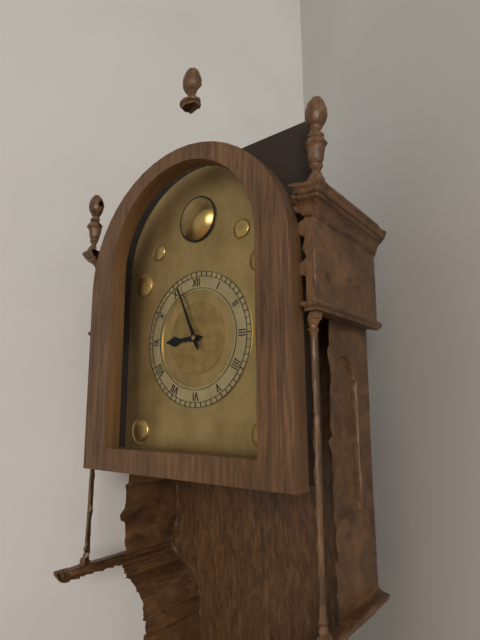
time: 8:56
